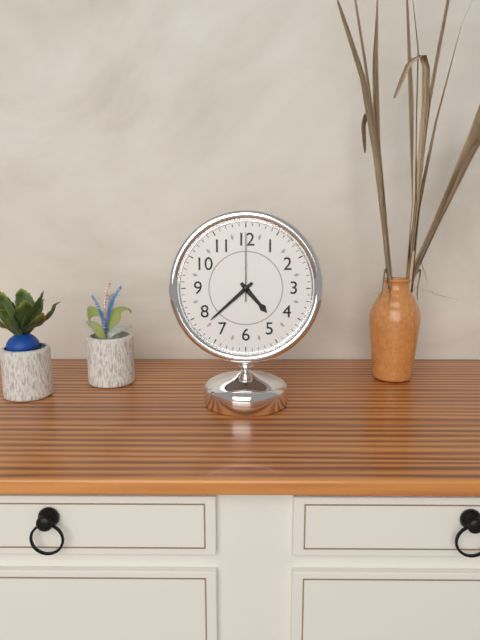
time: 4:38:00
